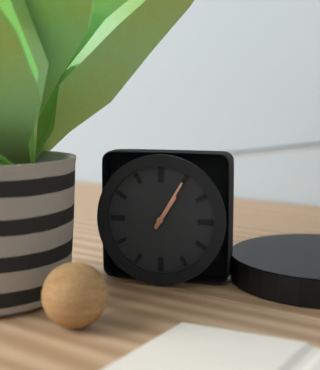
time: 1:05
